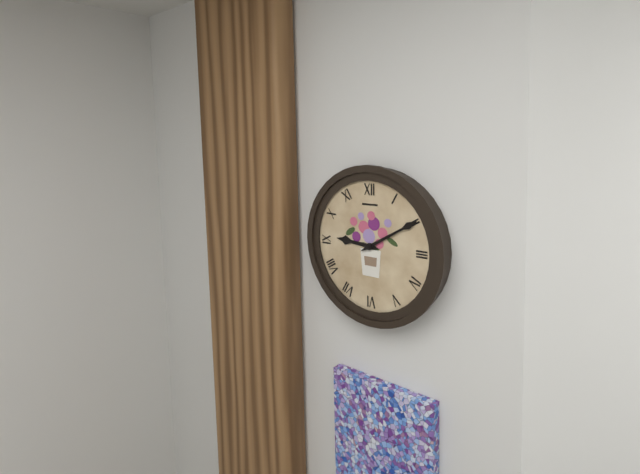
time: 9:10
